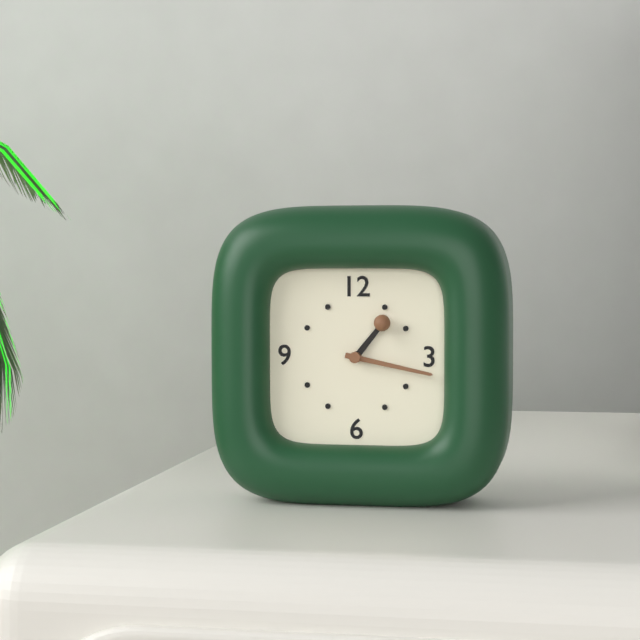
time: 1:17
